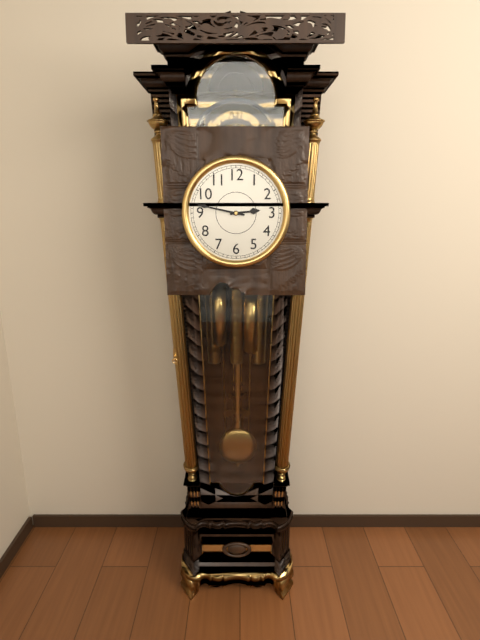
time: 2:47
